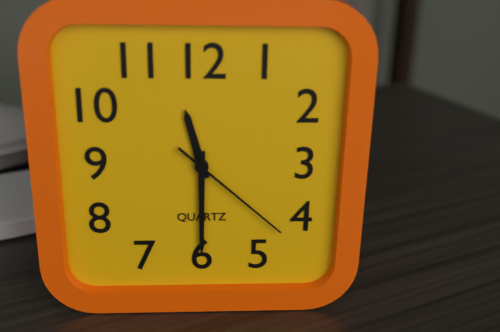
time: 11:30:22
